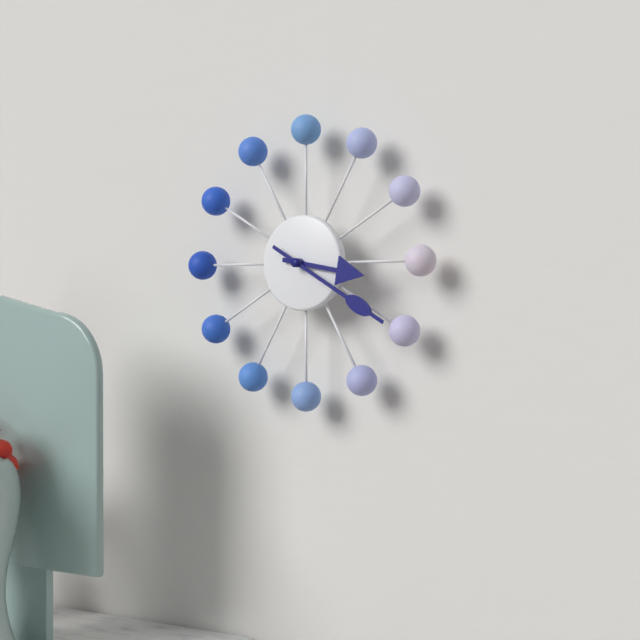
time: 3:20
